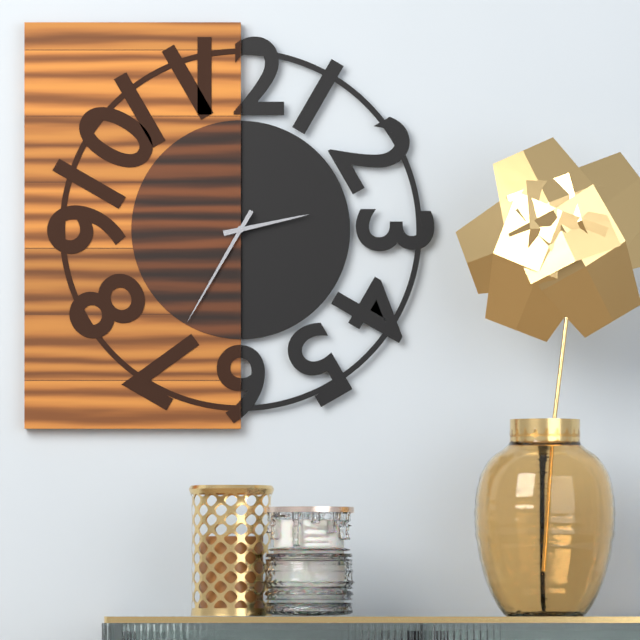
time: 2:35
